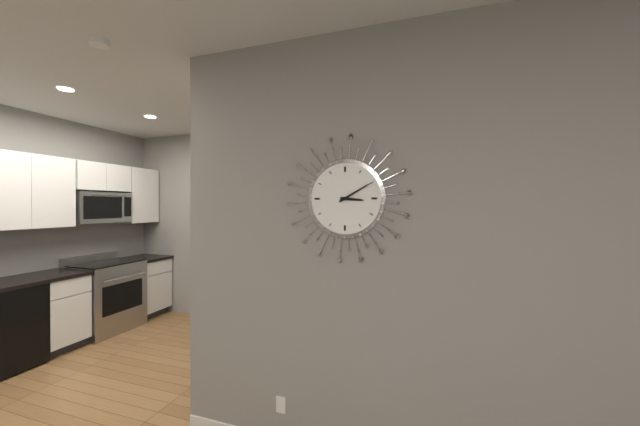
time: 3:10
